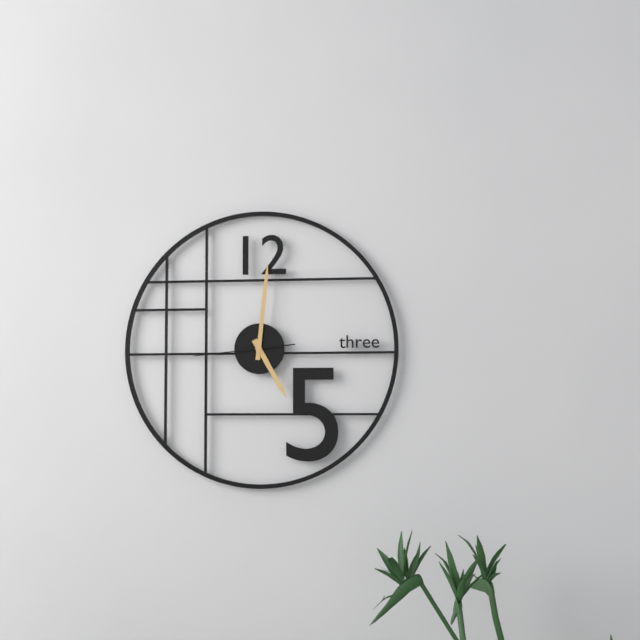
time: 5:01:44
